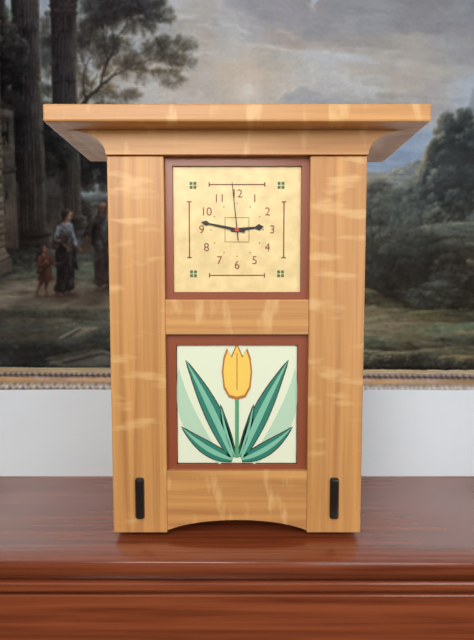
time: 2:47:59
